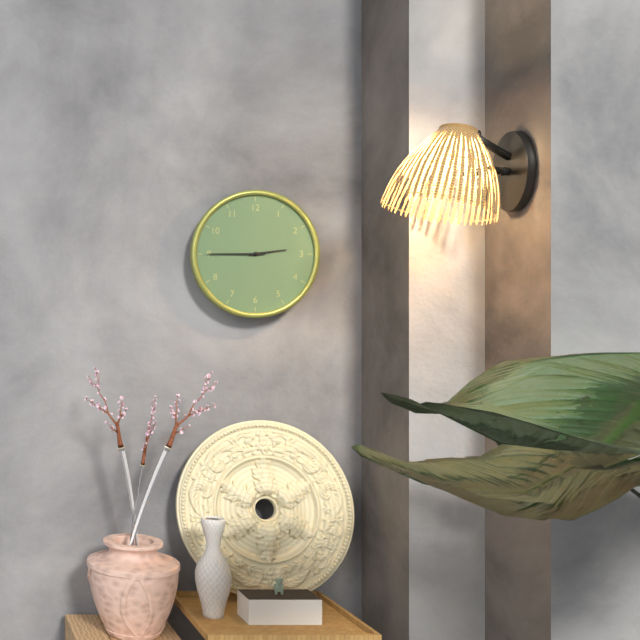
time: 2:45
